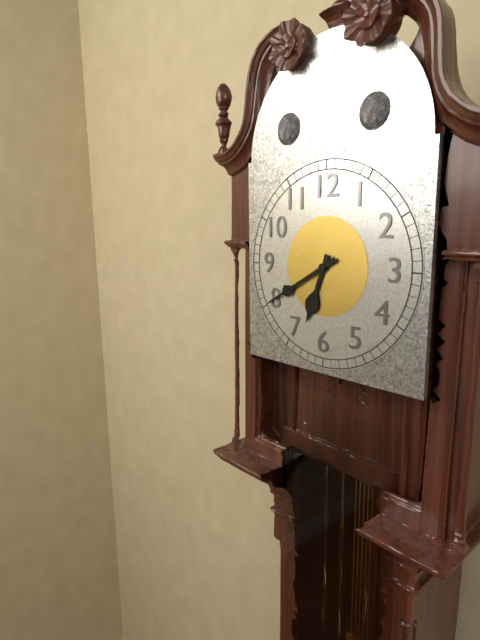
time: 6:40
